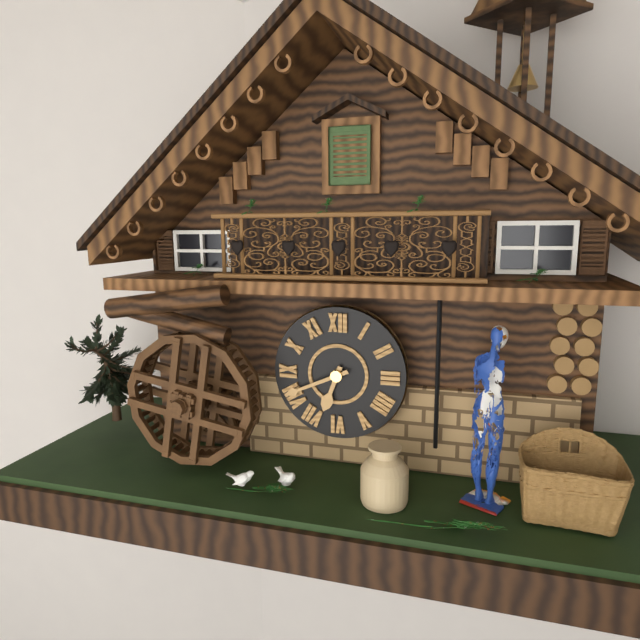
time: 6:41
